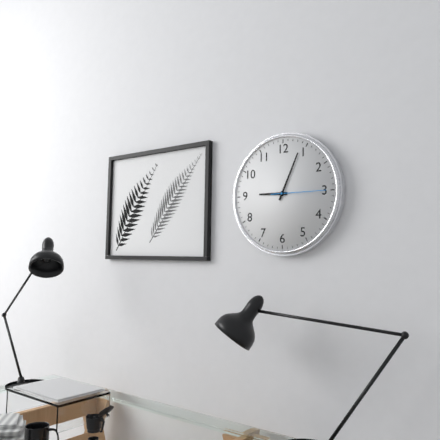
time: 9:04:15
